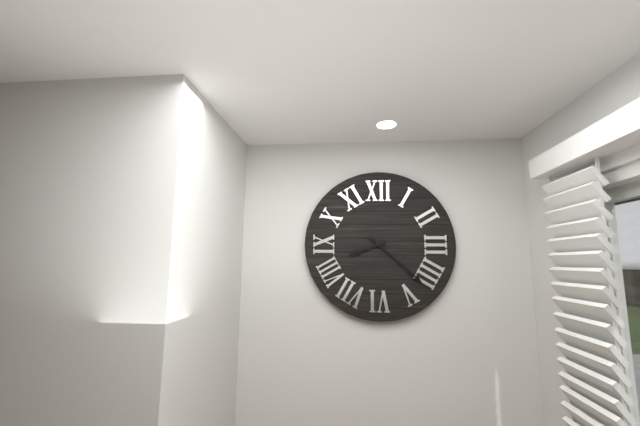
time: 8:22
